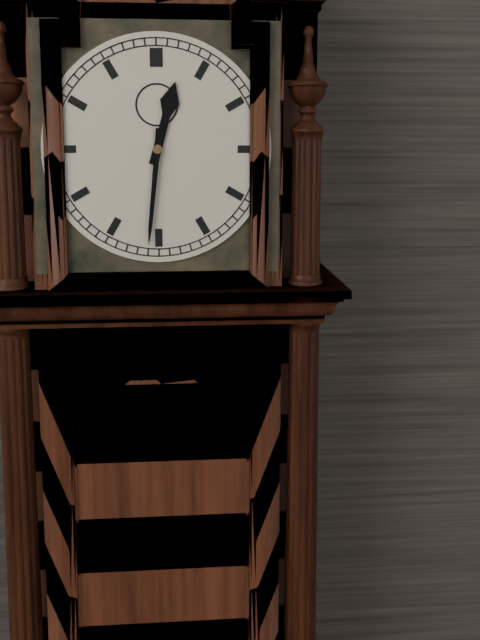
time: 12:31
